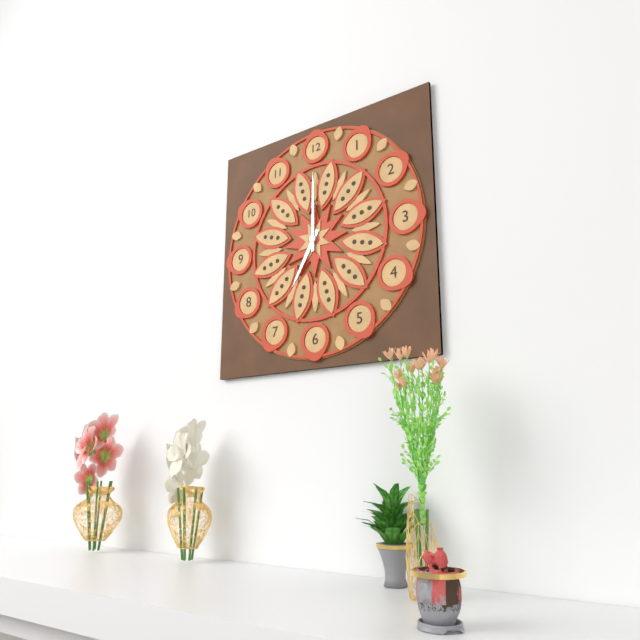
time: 7:00
